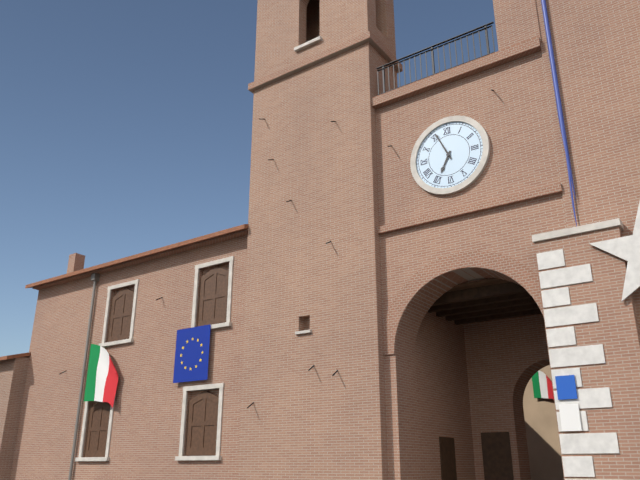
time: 6:56
